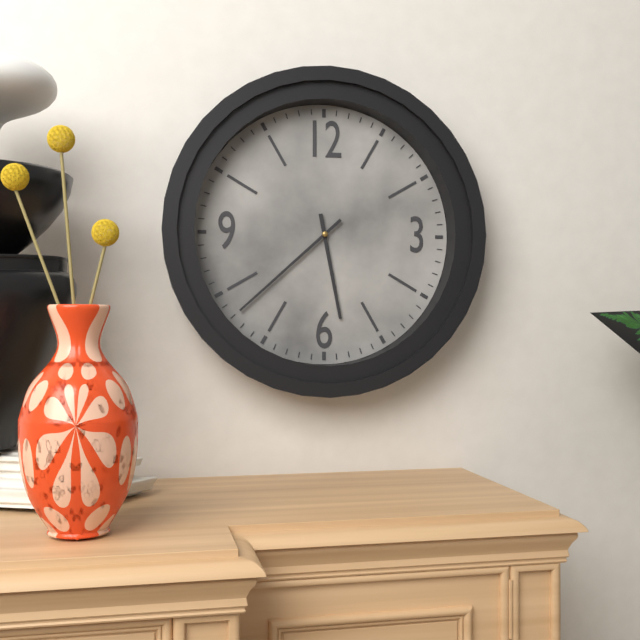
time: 5:38
